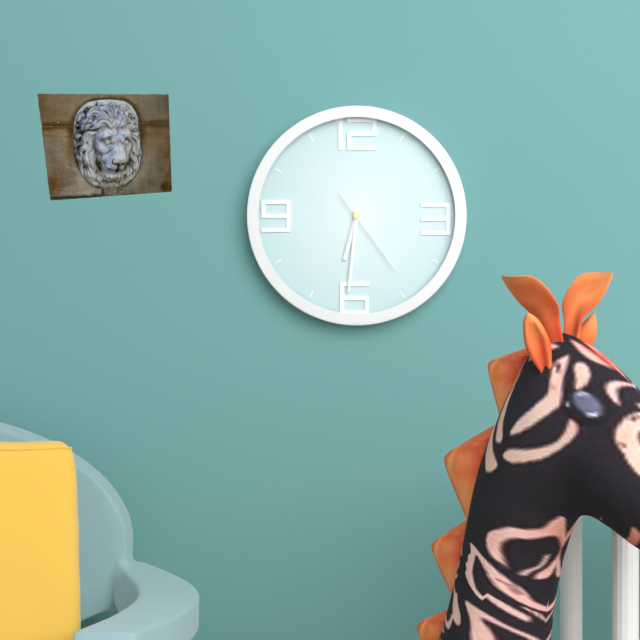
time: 6:31:24
